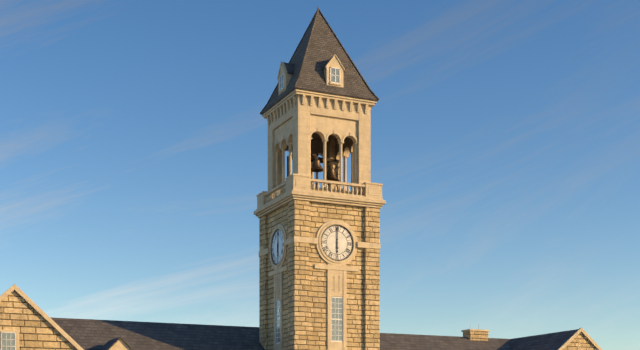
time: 6:00
